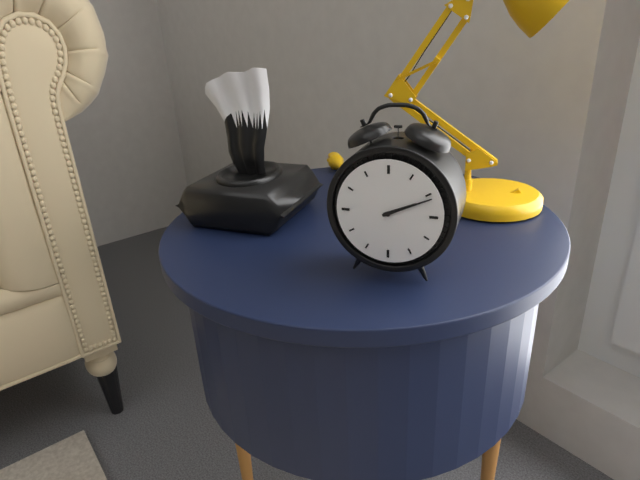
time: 2:11
